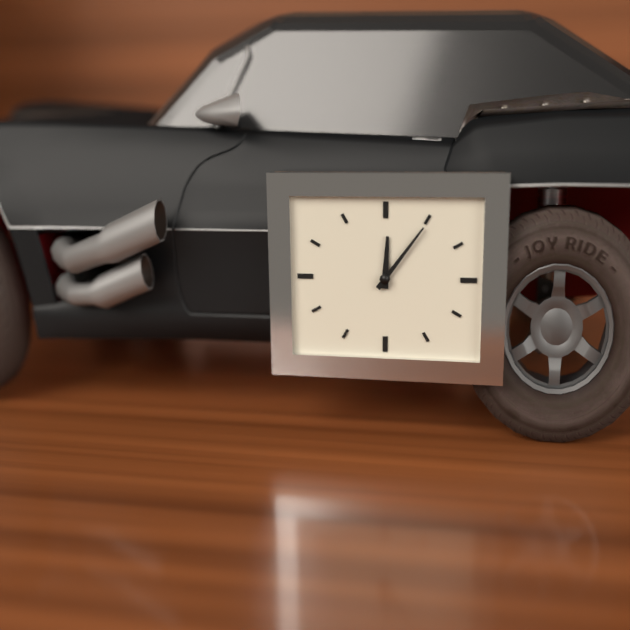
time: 12:06
